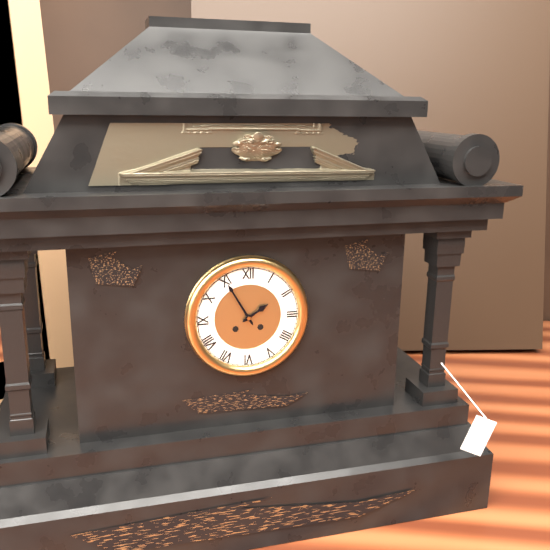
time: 1:55
